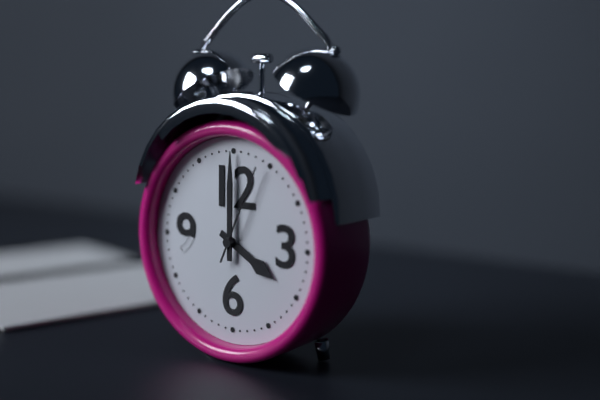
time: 4:00:04
